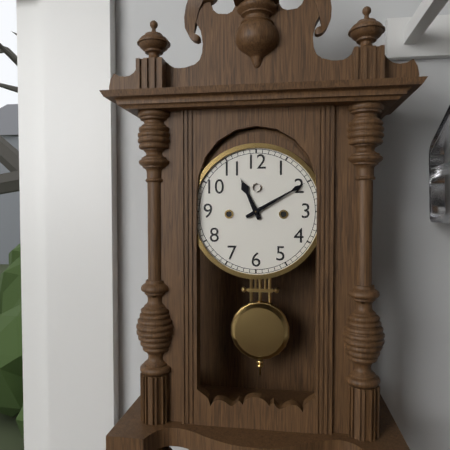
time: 11:10
